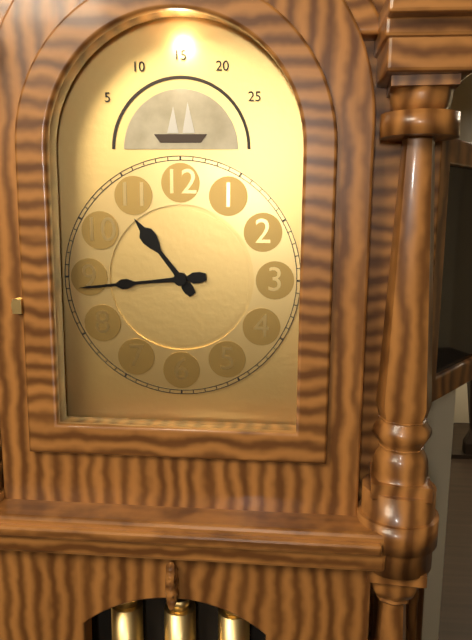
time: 10:44
